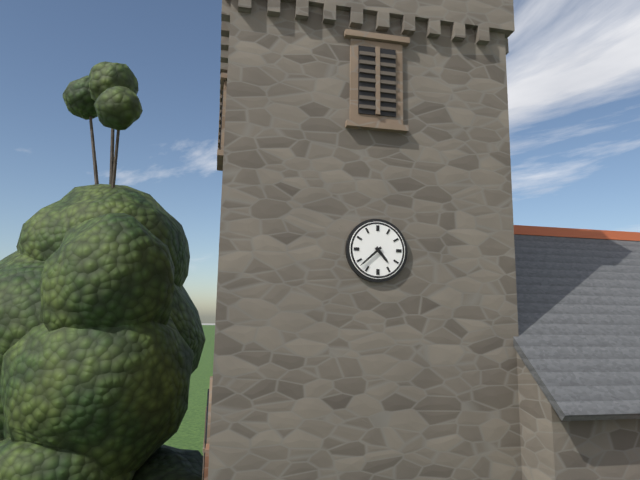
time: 4:38
